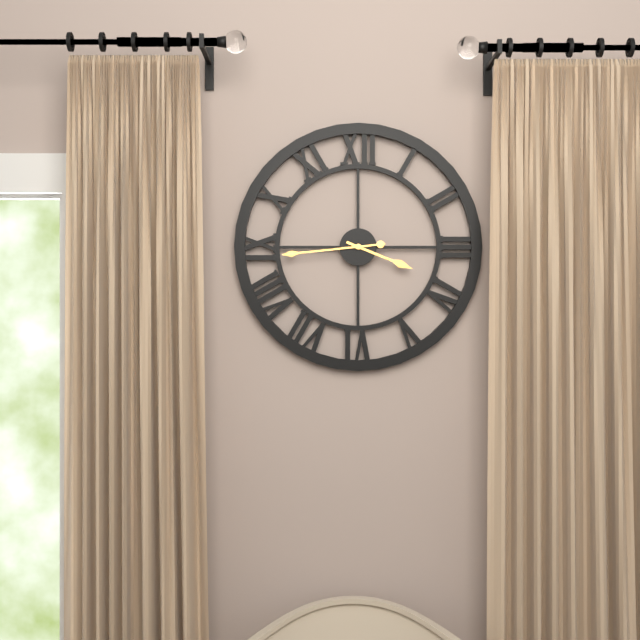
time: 3:44
